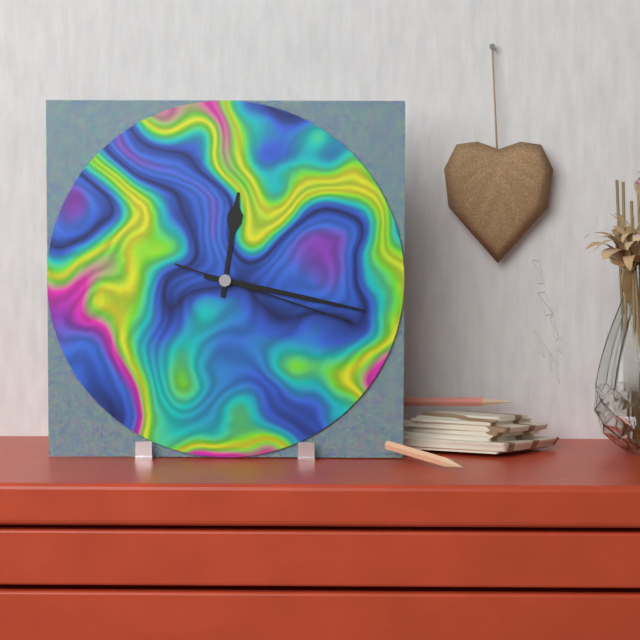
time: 12:17:18
